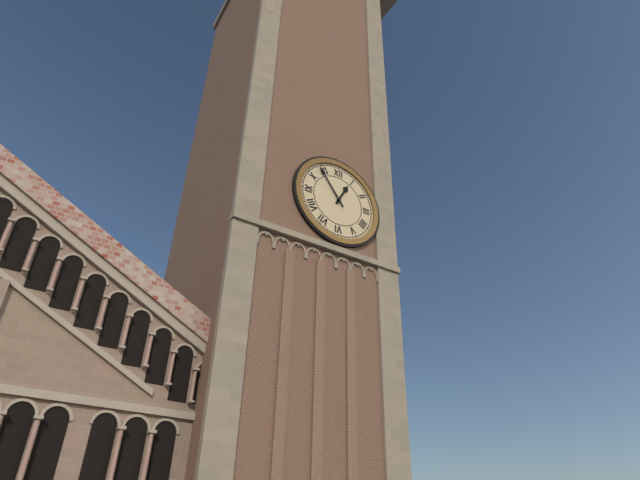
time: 12:54
